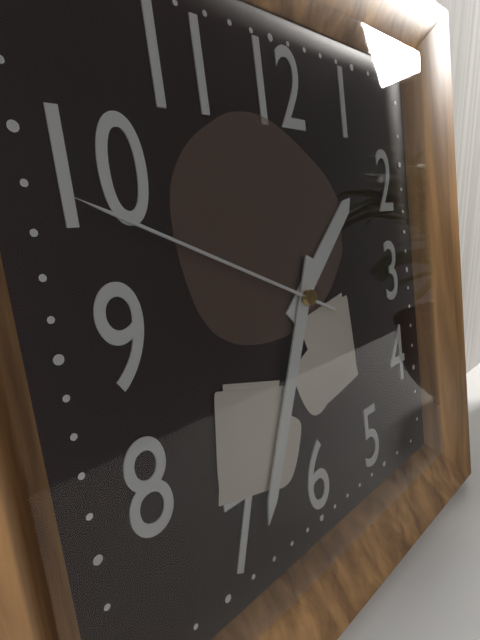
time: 1:34:49
